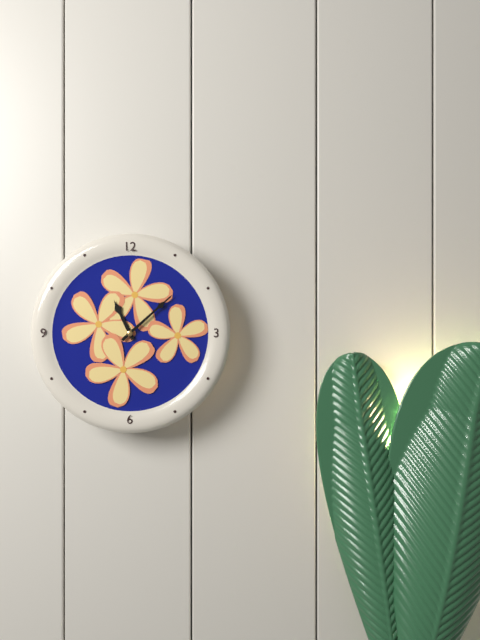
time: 11:08
